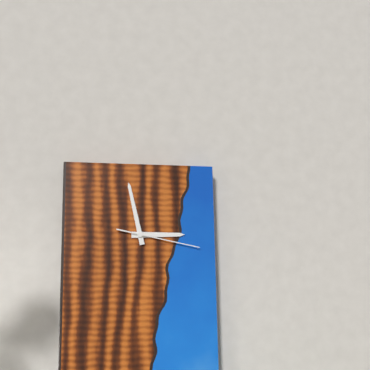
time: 2:58:17
